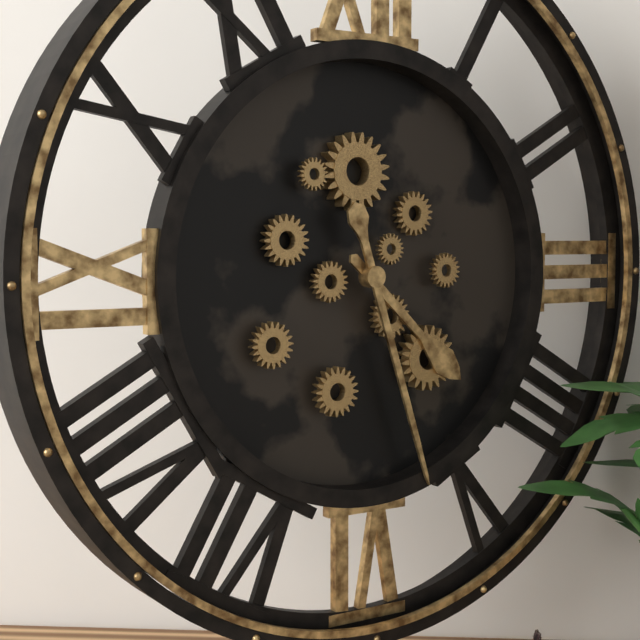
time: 4:27
